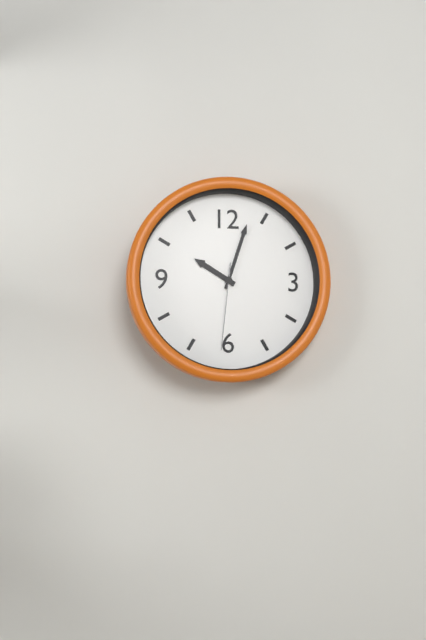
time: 10:03:31
